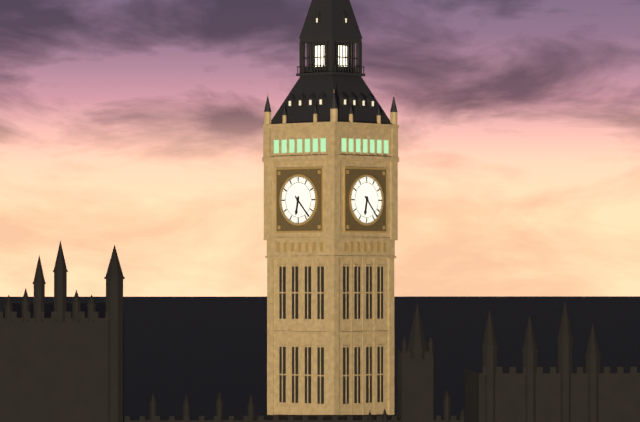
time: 6:23
